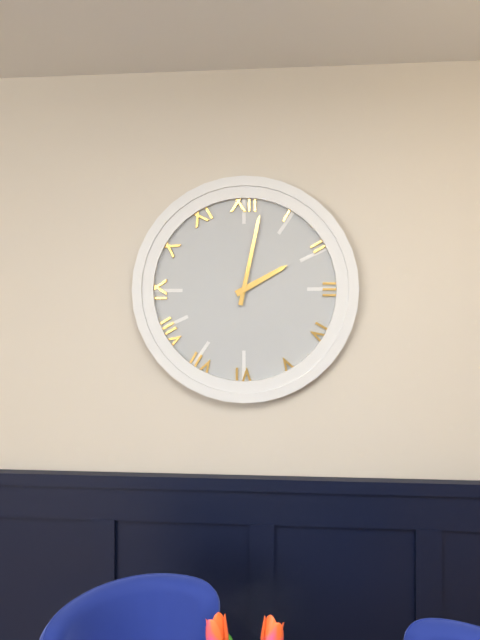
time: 2:02
